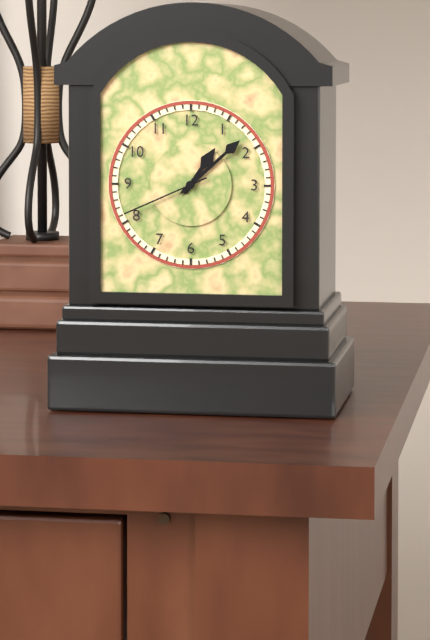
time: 1:08:41
